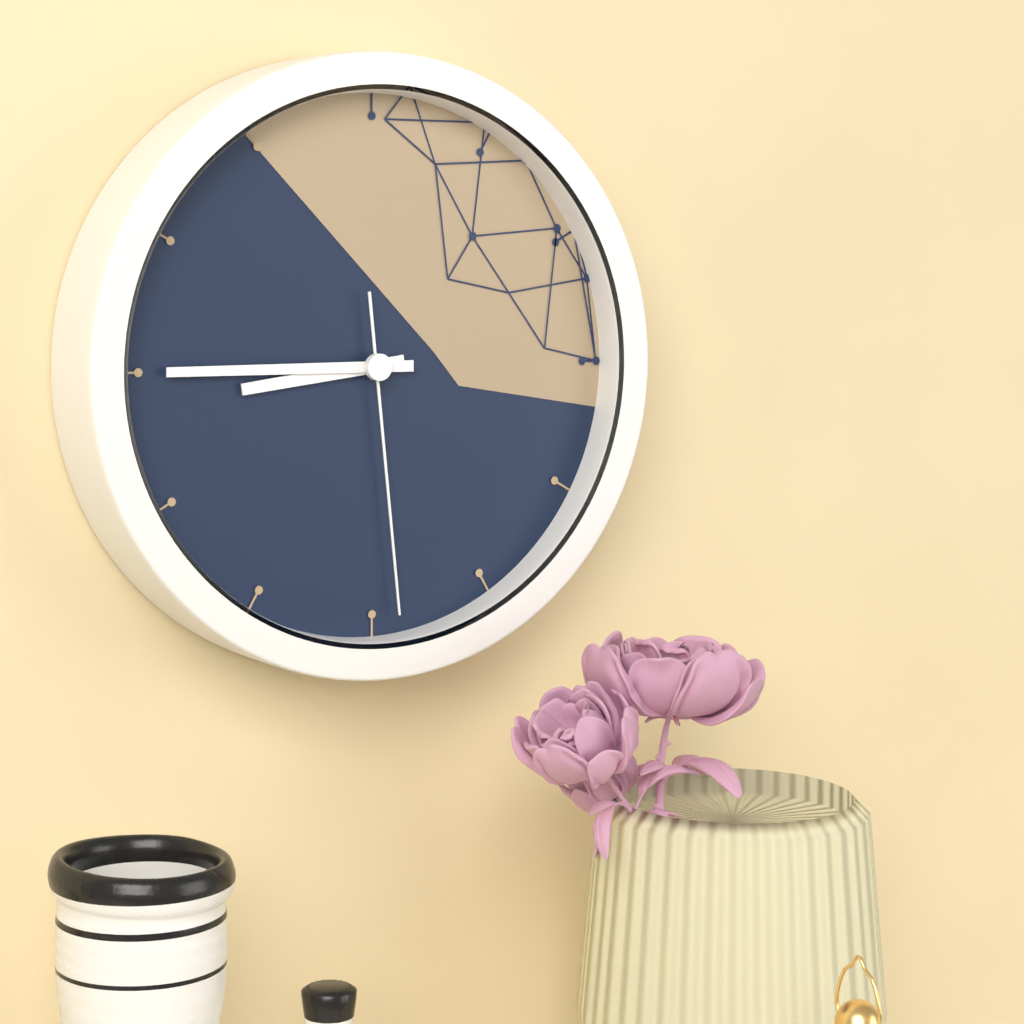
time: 8:45:29
